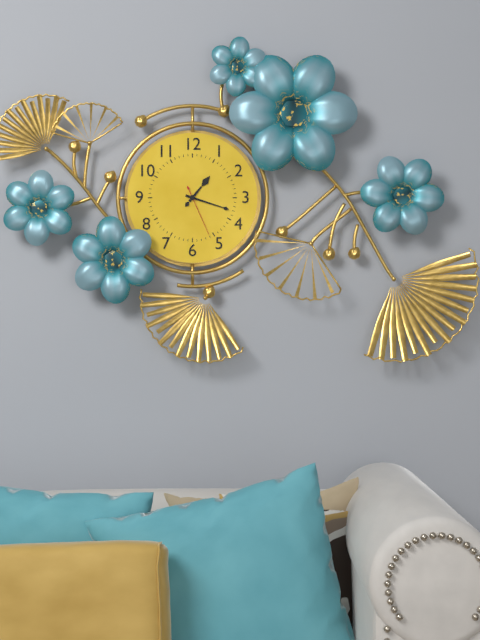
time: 1:18:26
